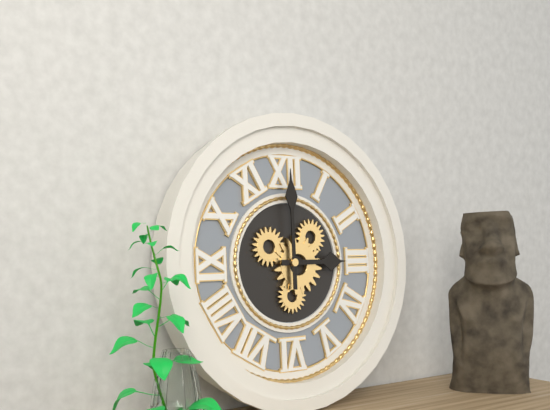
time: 3:00
